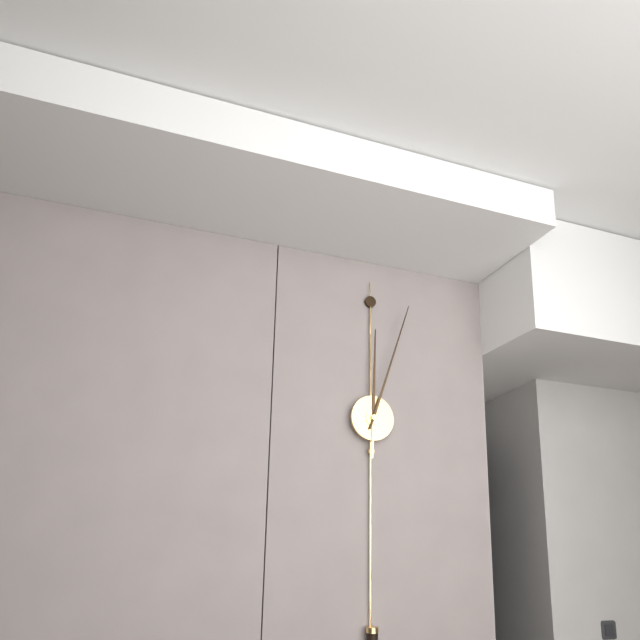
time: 12:03
